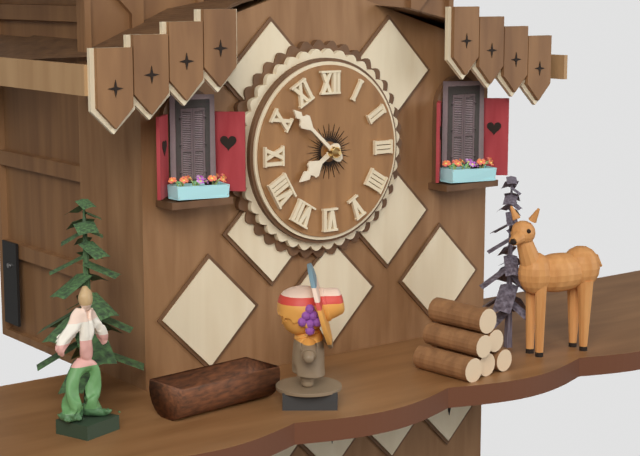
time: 7:52
